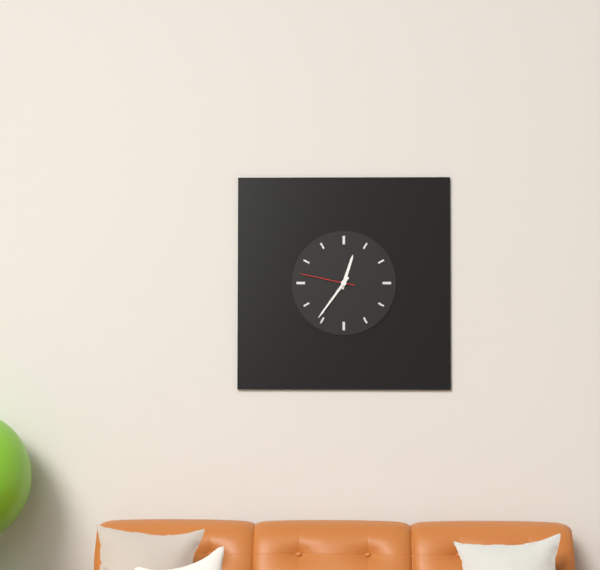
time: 12:36:47
